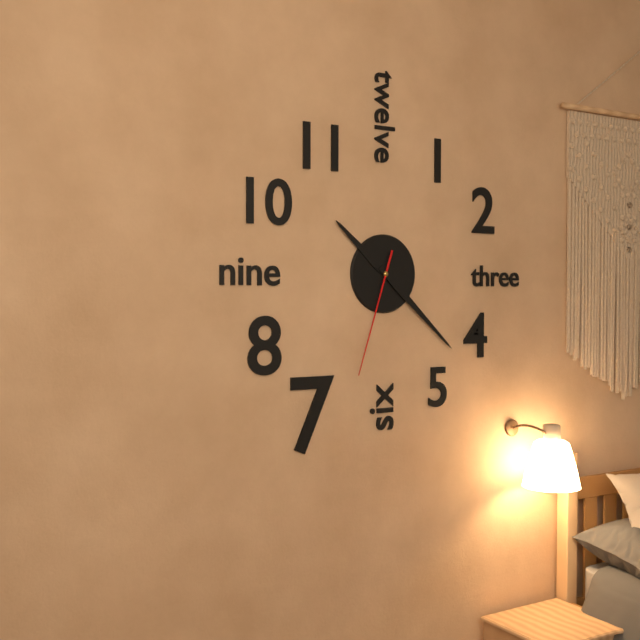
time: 10:22:33
